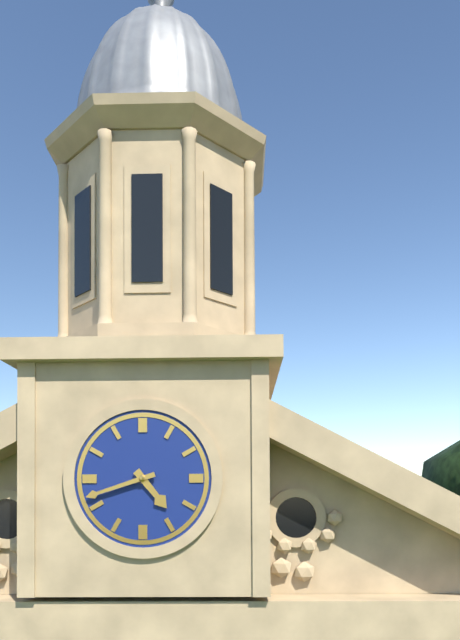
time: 4:42
